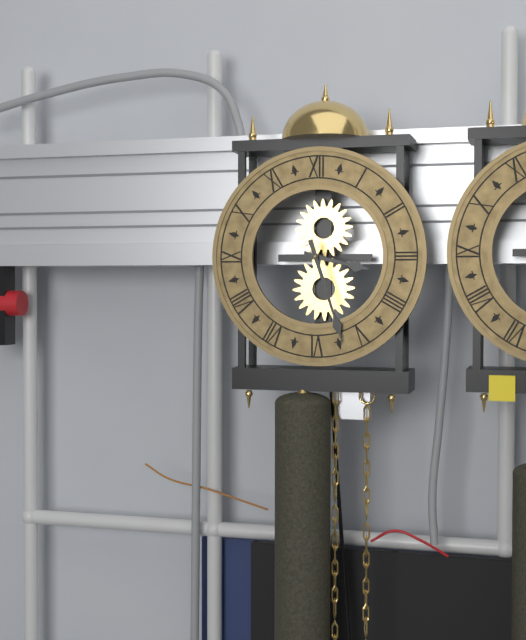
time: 3:27
